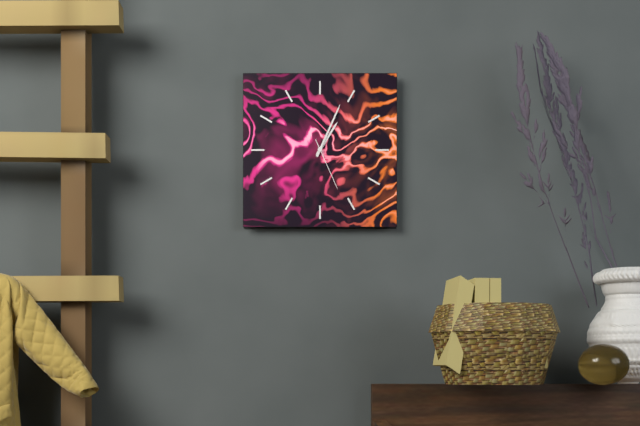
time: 1:04:26
